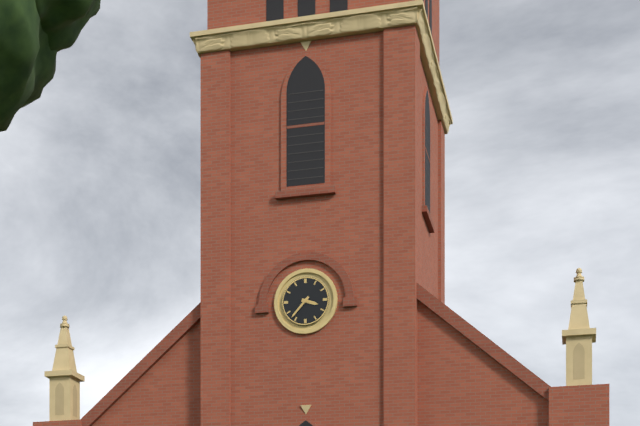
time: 3:37
